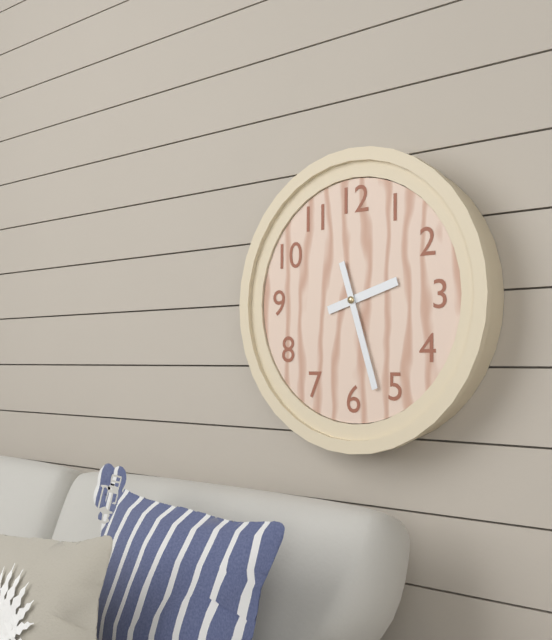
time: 2:27
